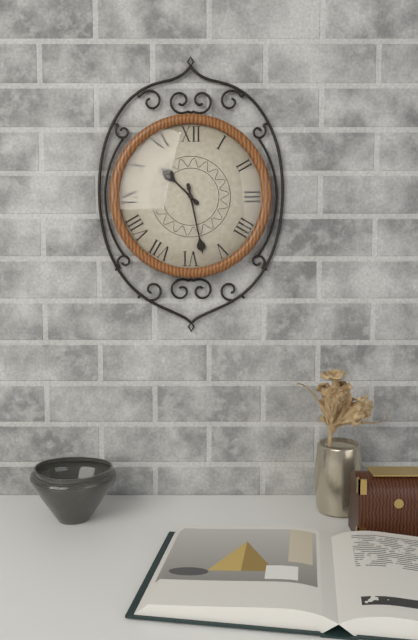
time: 10:28
